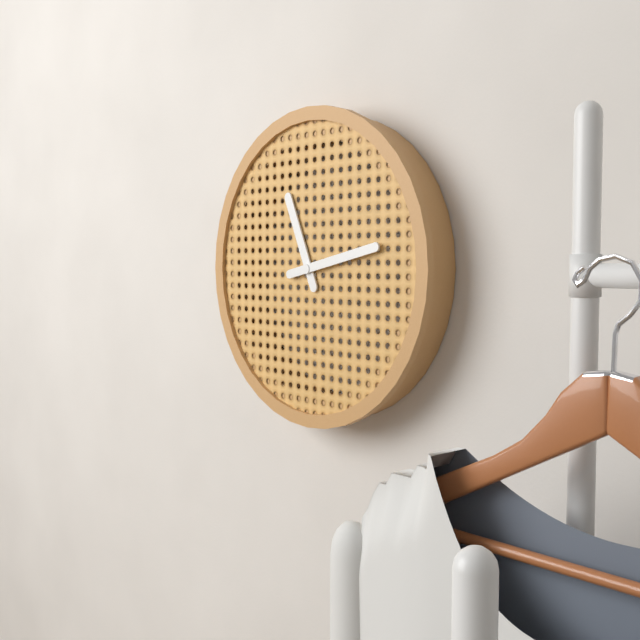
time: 11:13
